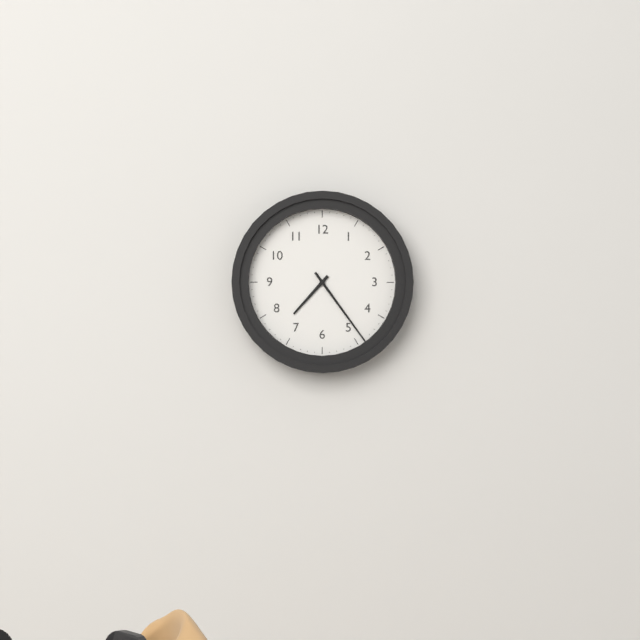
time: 7:24
